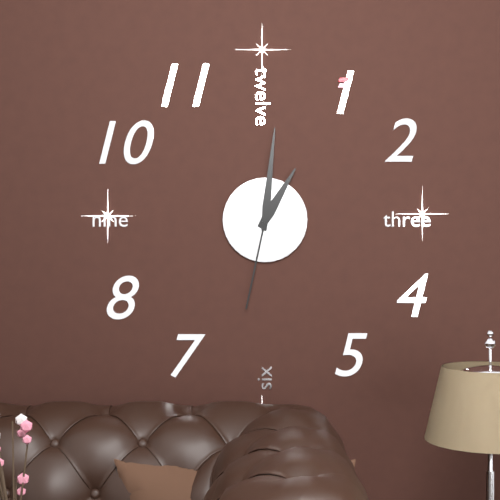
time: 1:01:32
